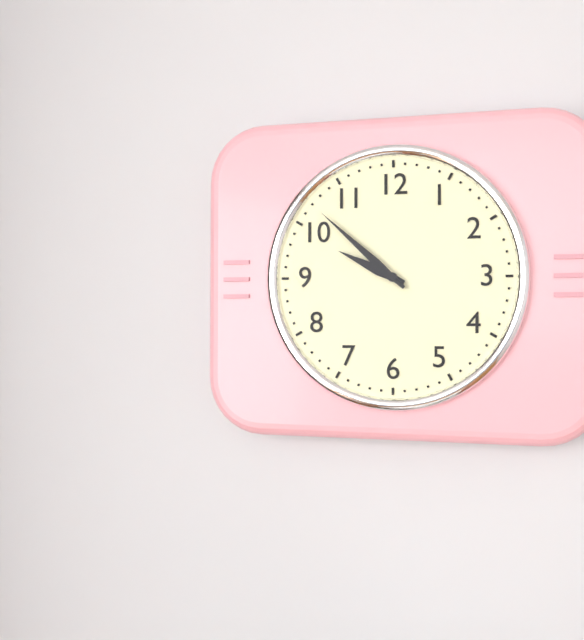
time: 9:52
